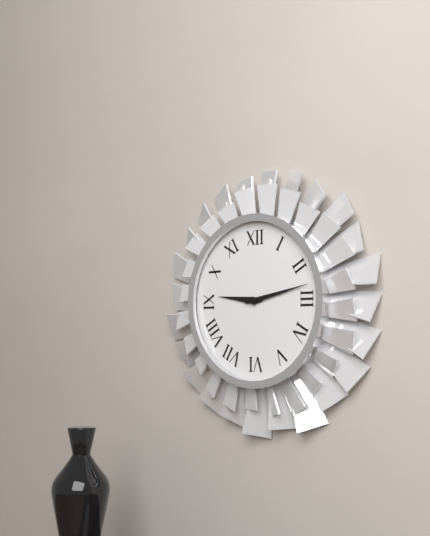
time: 9:13
